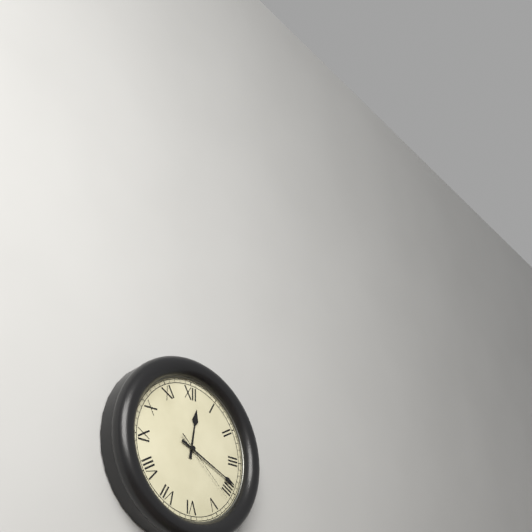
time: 12:19:22
